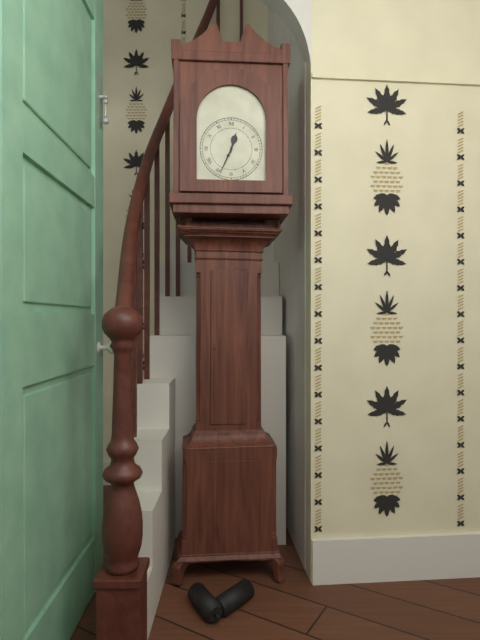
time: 12:34
